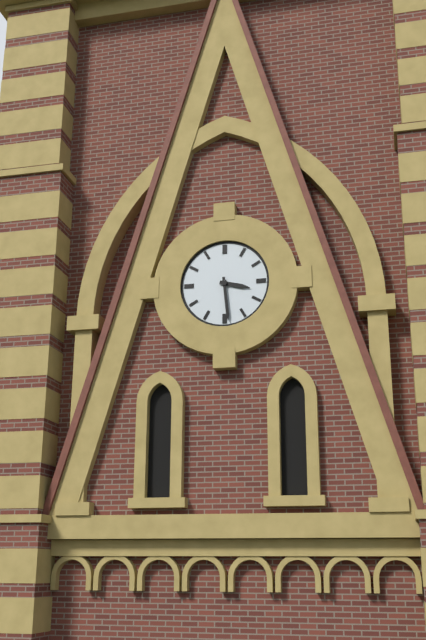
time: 3:29
